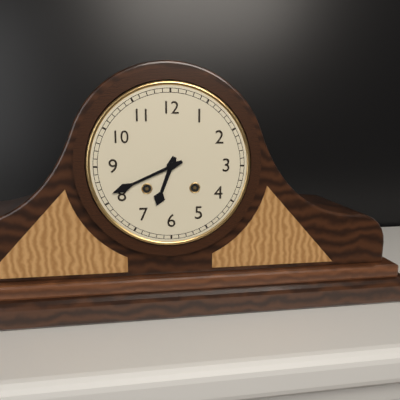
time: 6:41
